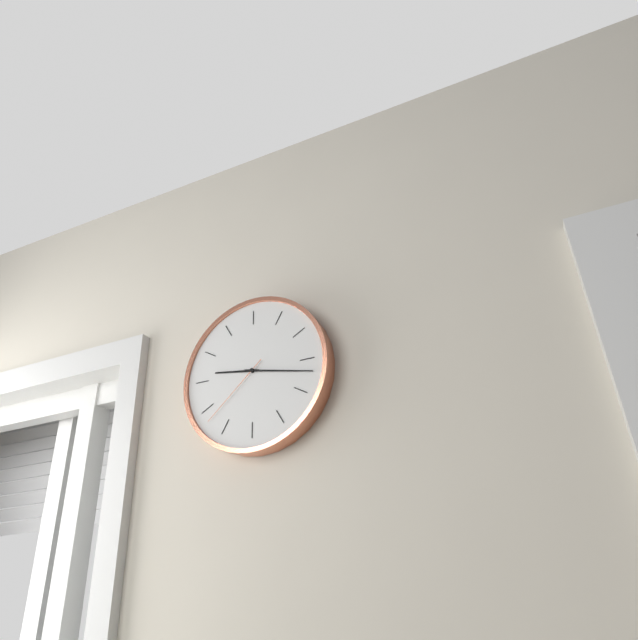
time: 9:17:38
